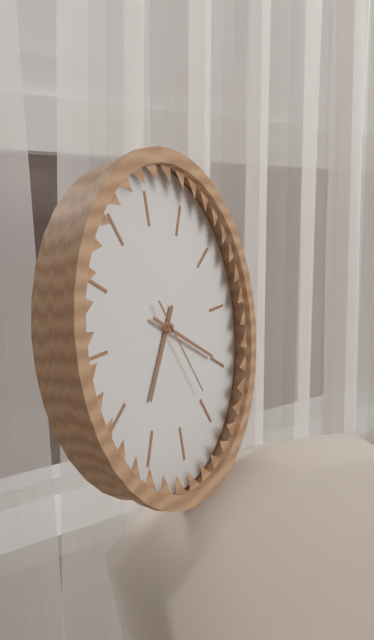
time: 7:20:25
